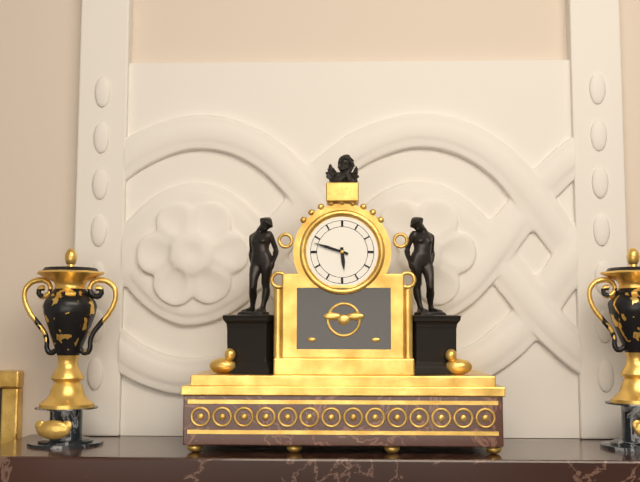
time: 5:48
